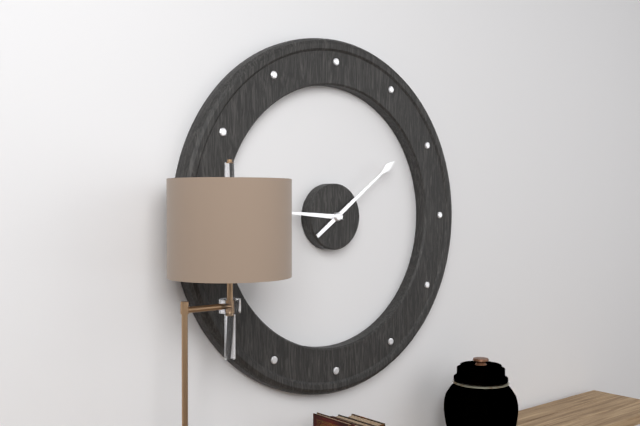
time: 9:09
